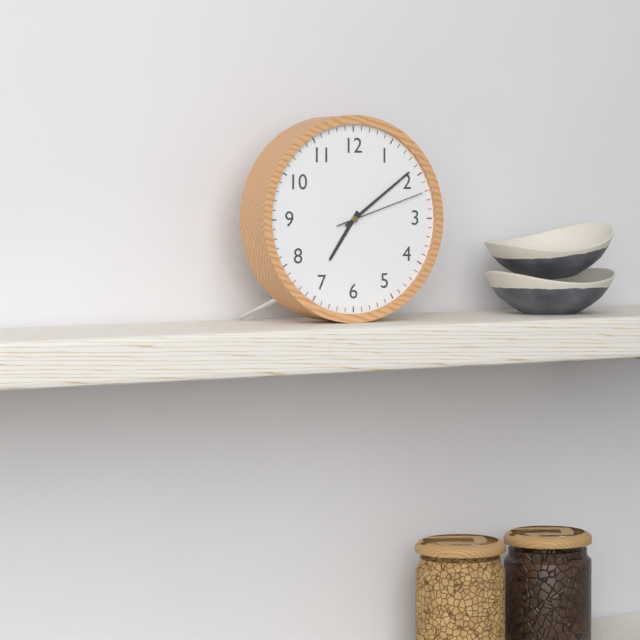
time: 7:09:12
